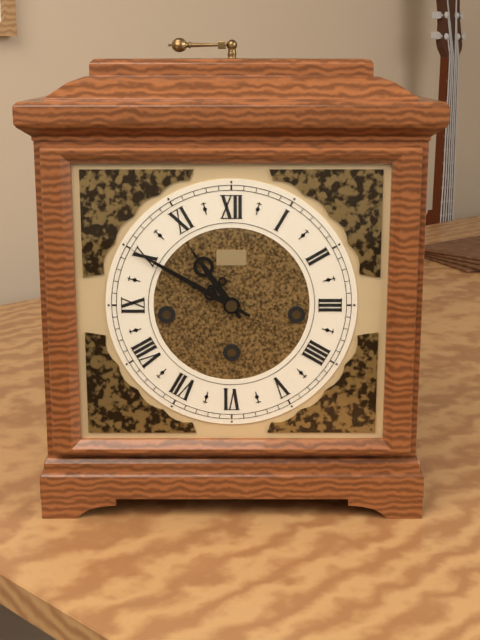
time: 10:50
